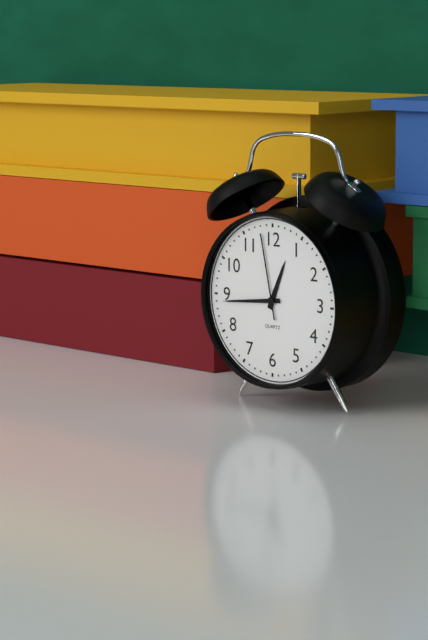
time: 12:44:58
